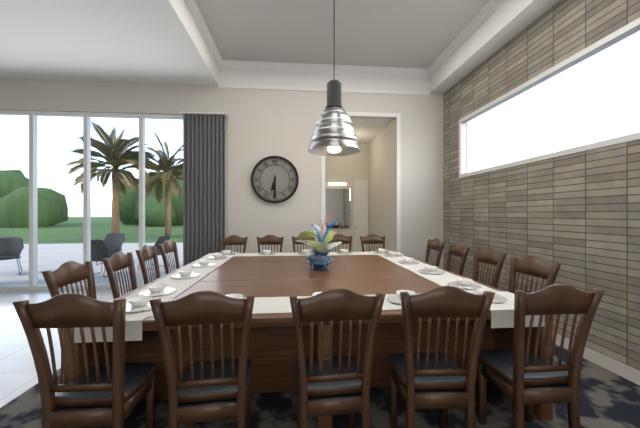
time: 6:30
